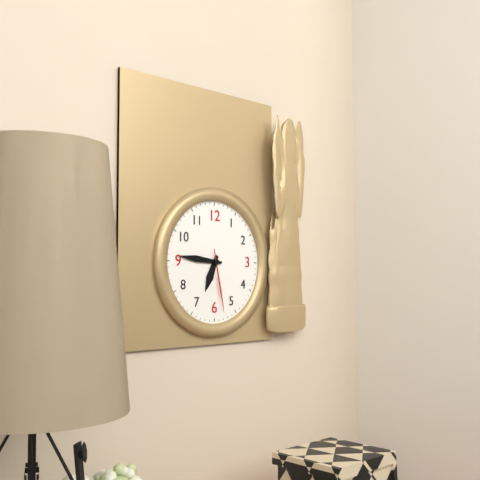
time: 6:46:28
